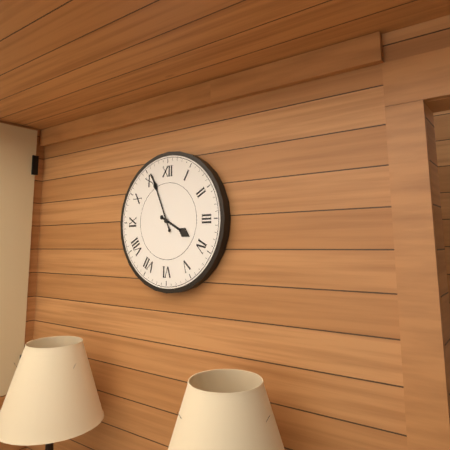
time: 3:56
